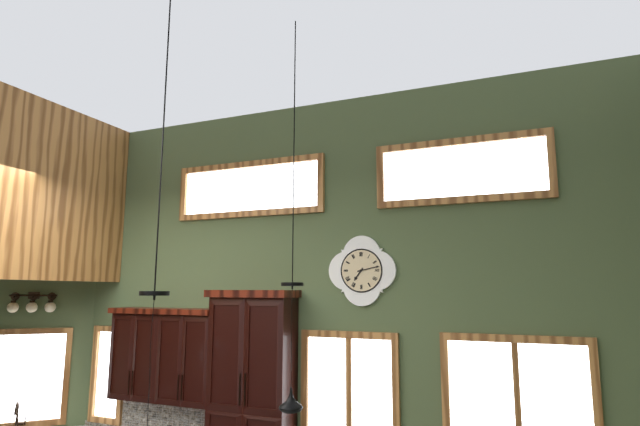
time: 7:13
